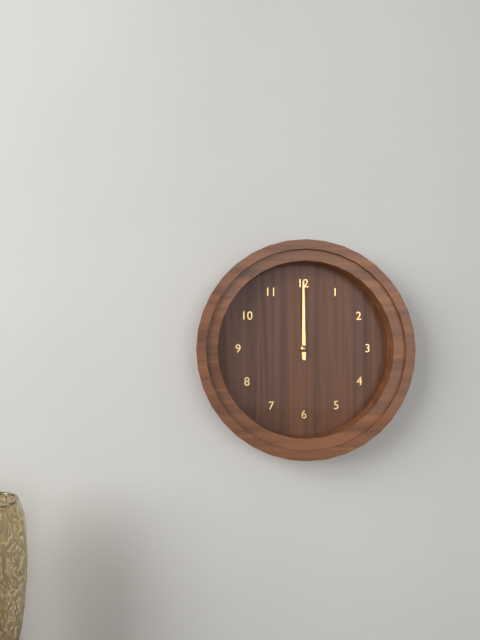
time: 12:00
